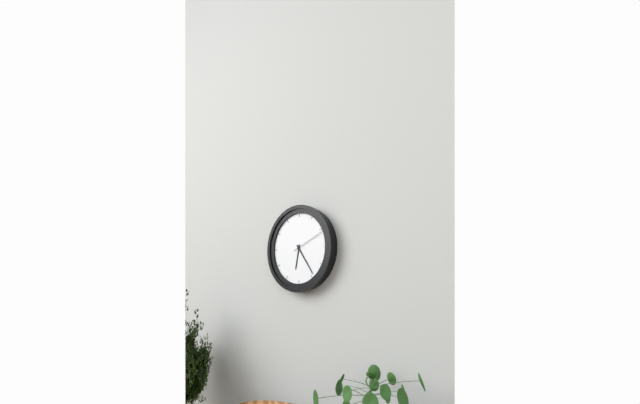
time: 6:24
